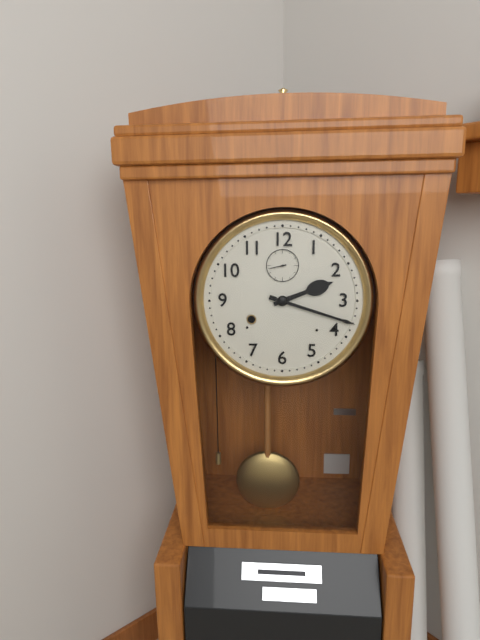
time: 2:18
